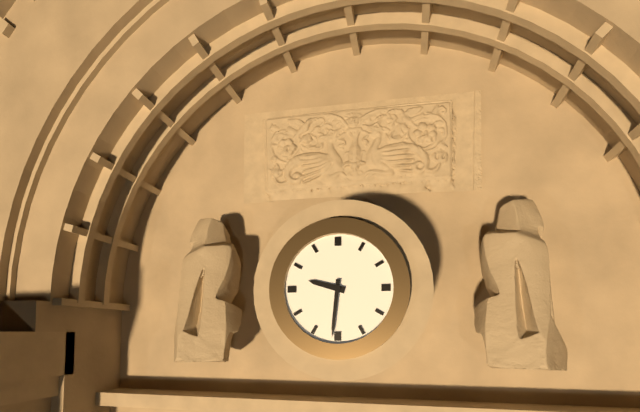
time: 9:31
